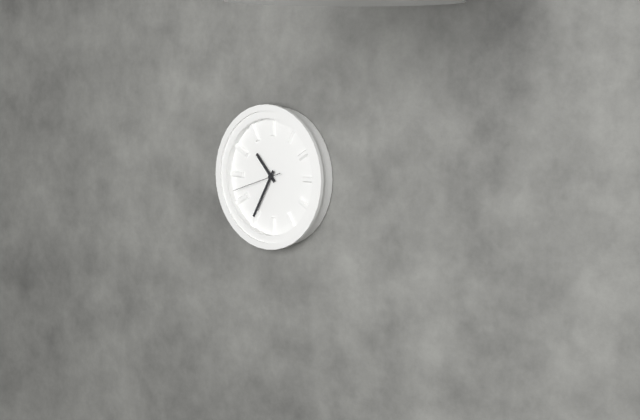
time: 10:35
